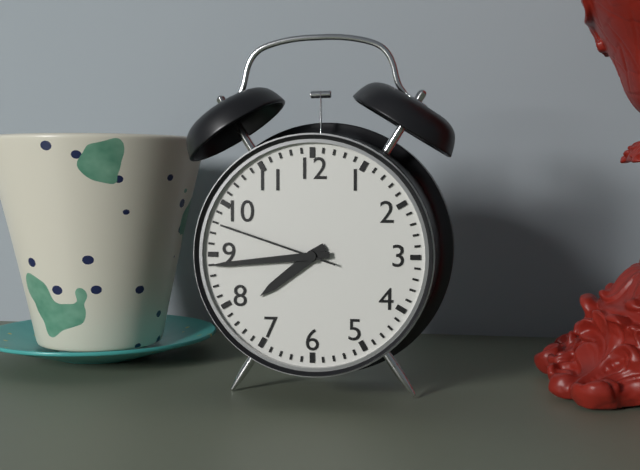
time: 7:44:48
